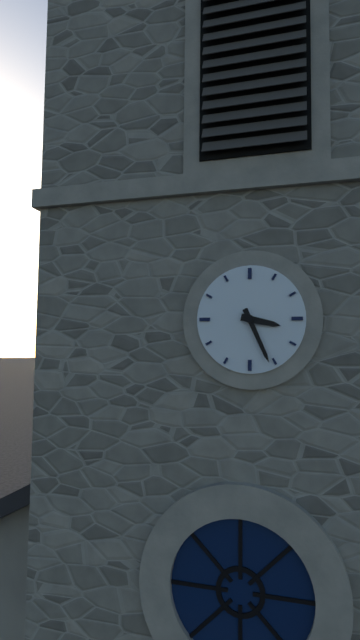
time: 3:26
